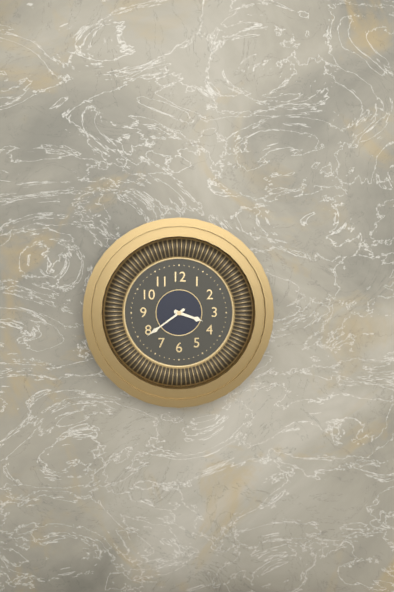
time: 3:39
